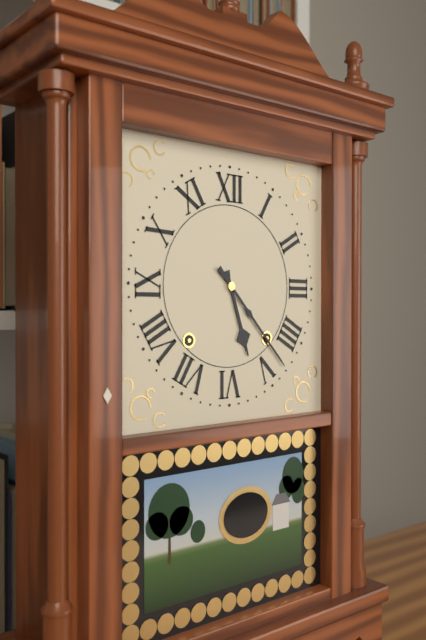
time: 5:23
